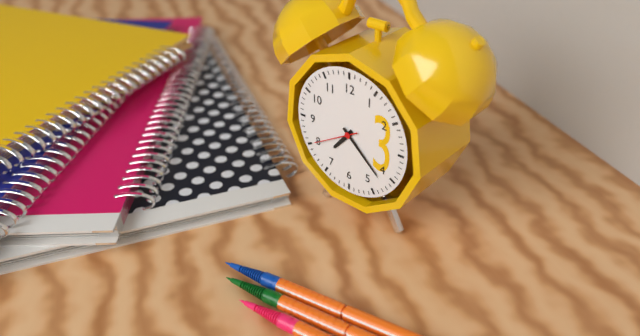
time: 7:22
